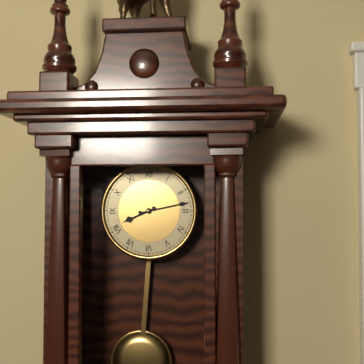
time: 8:13
